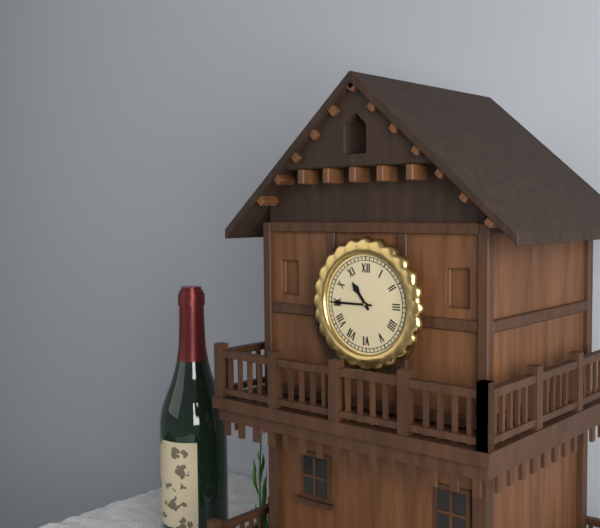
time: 10:45
